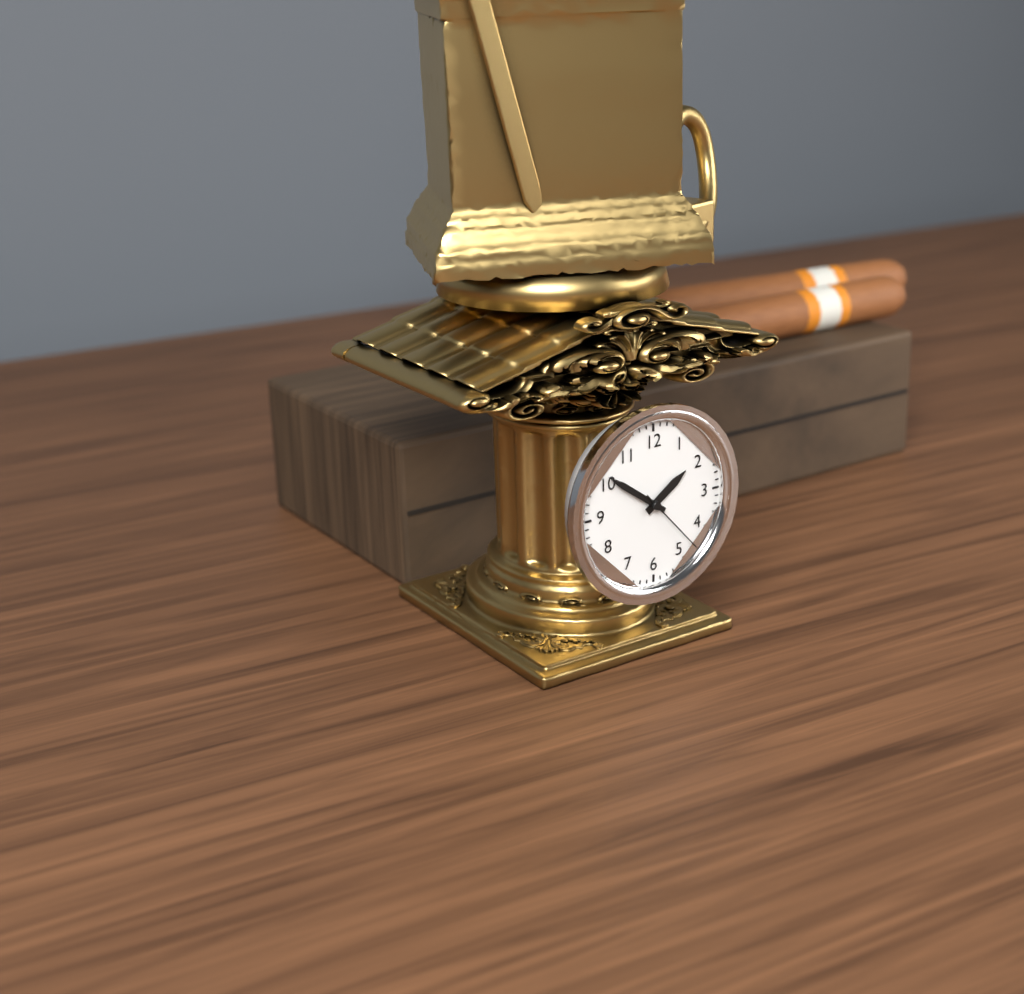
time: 1:51:23
